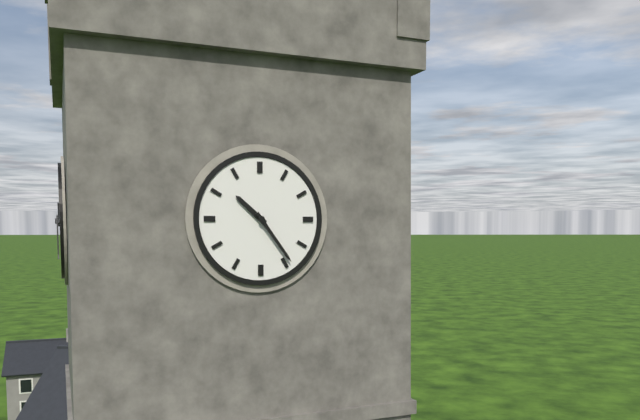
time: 10:24
